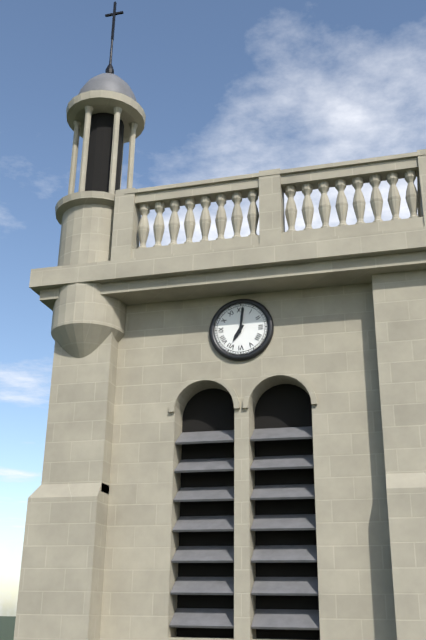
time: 7:01
